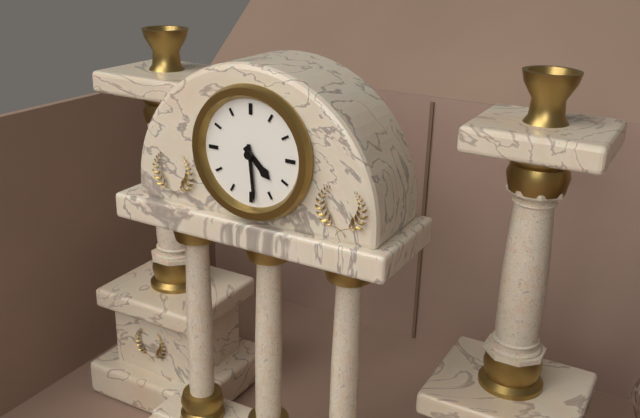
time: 4:29
